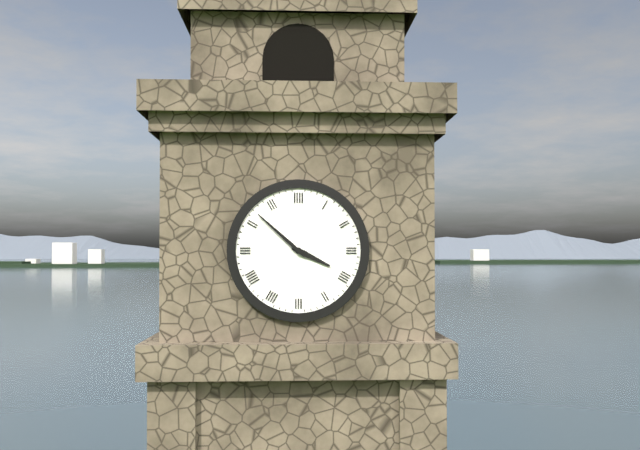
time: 3:52
